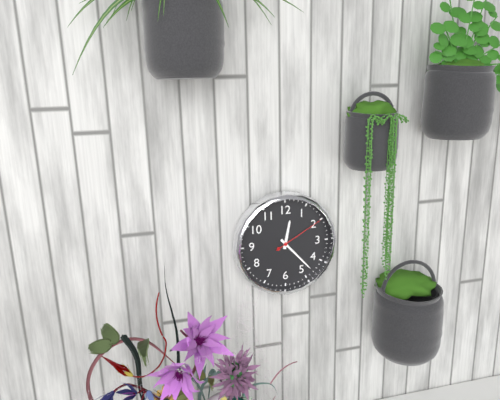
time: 12:23:10
